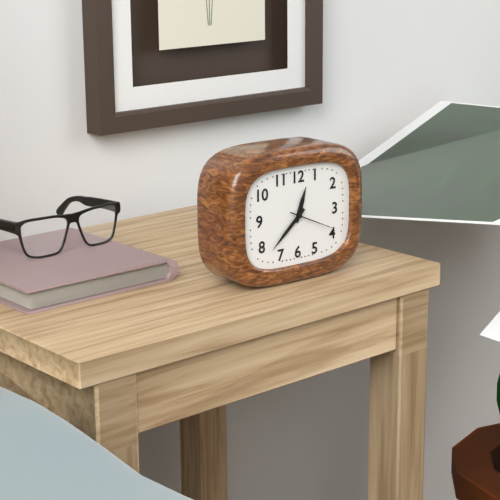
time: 12:38
